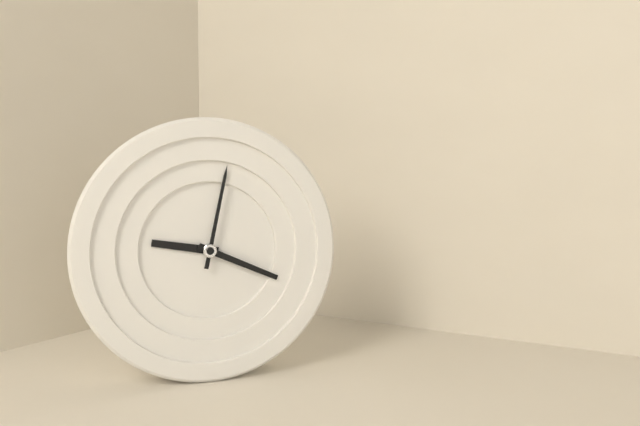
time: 9:19:02
